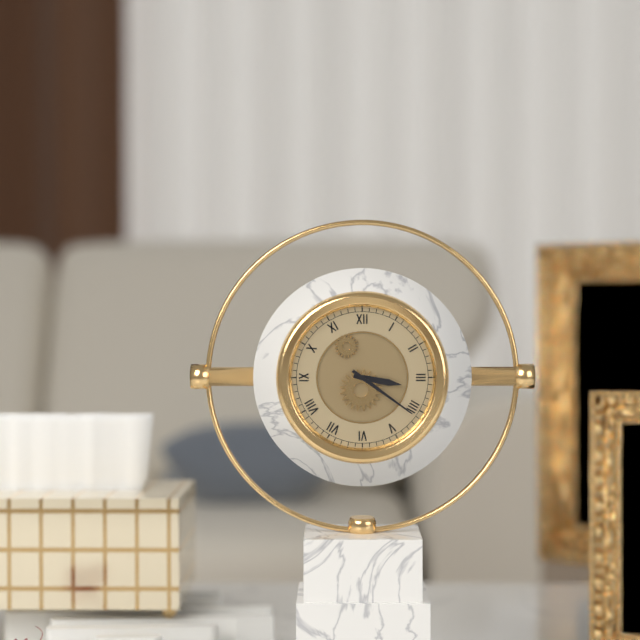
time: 3:21
